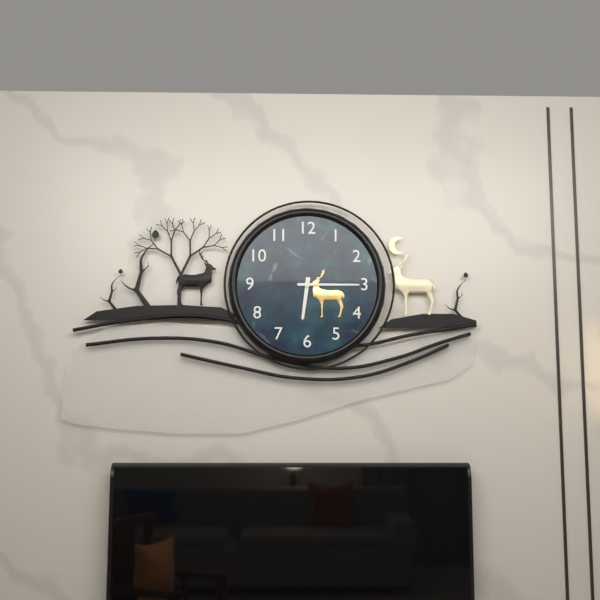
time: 6:15
